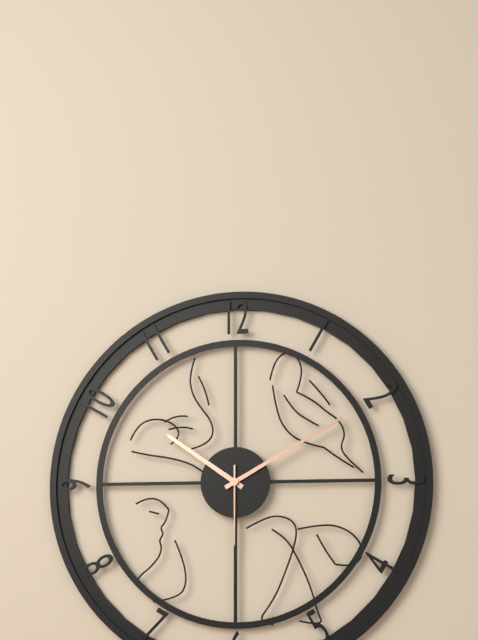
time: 10:10:30
